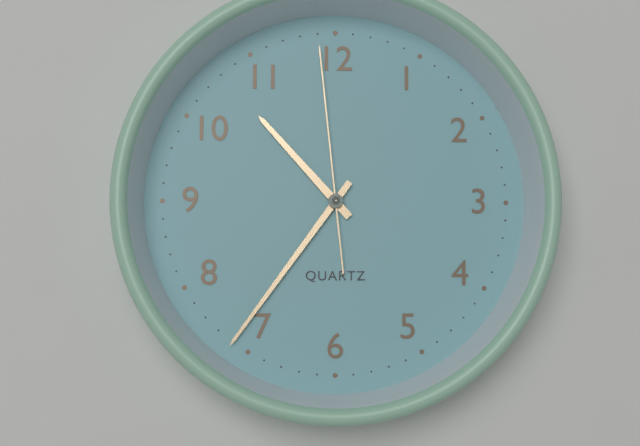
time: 10:36:59
